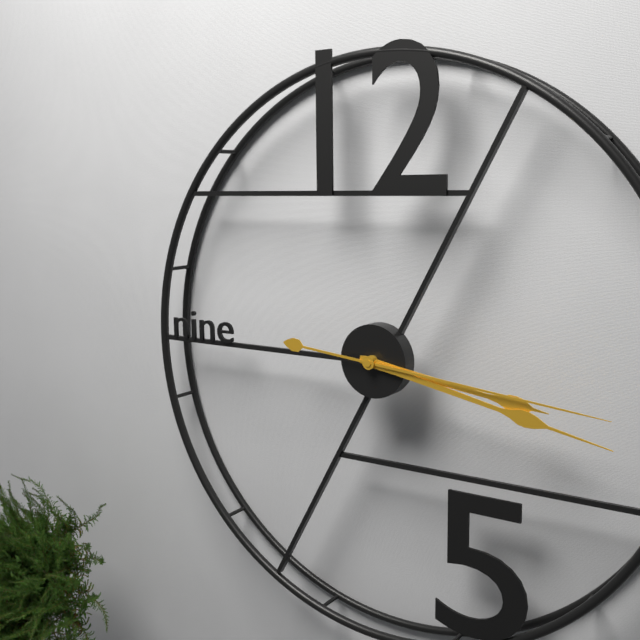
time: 3:17:16
